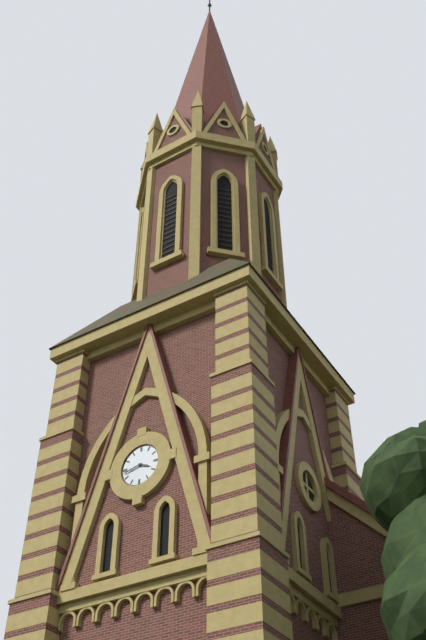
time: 3:43
